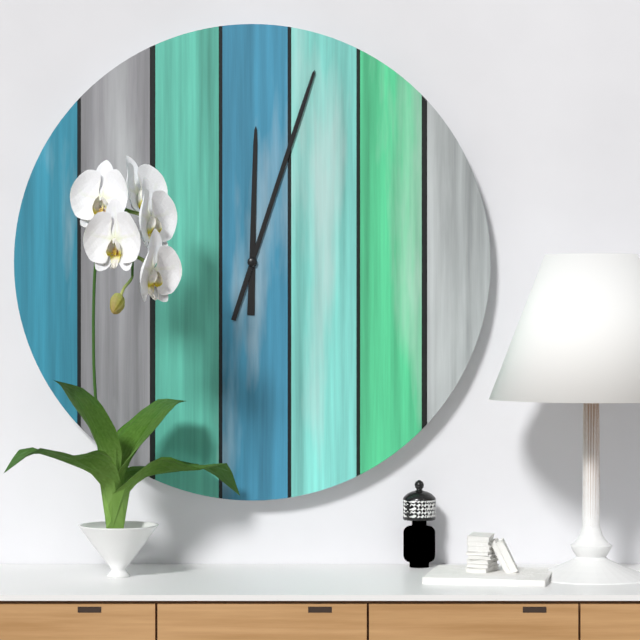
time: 12:03
